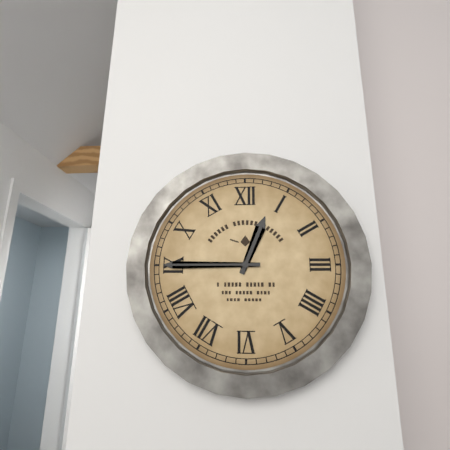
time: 12:45
